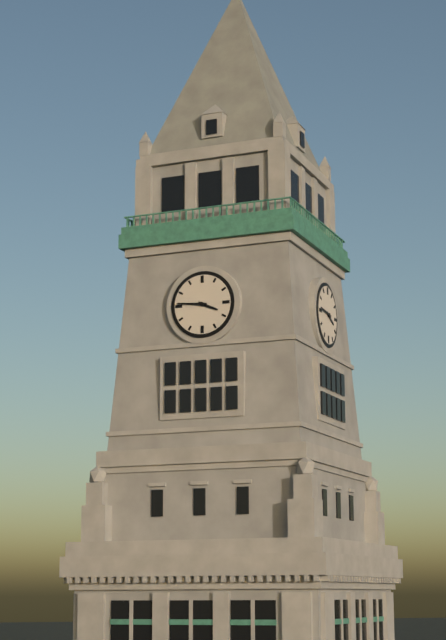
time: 3:46
